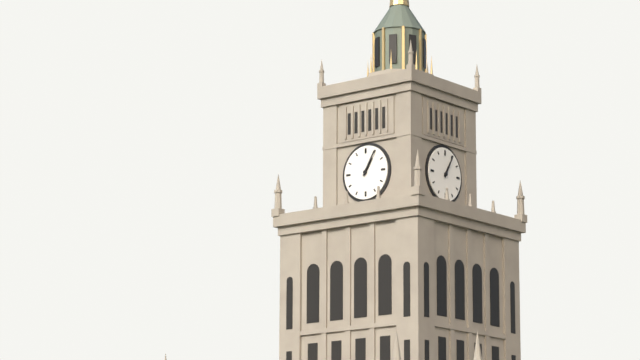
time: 1:05
